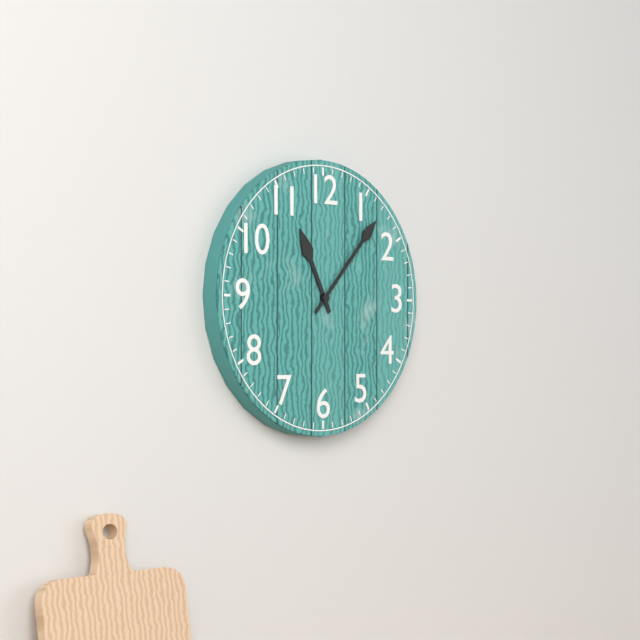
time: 11:07
